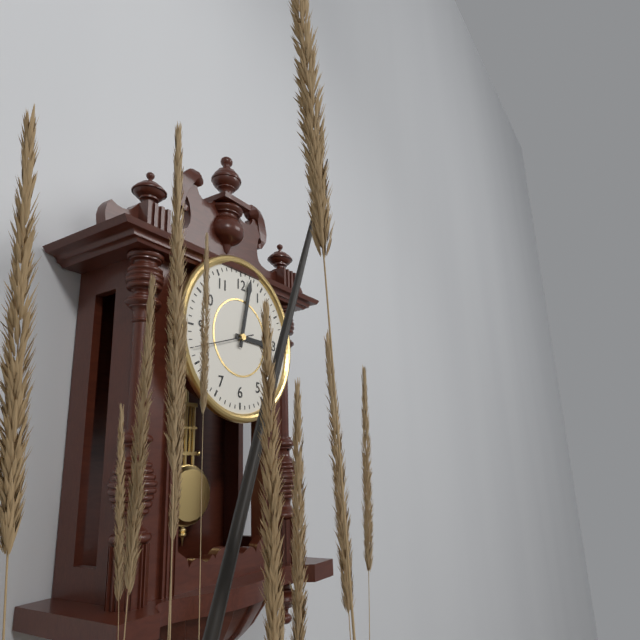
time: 3:02:42
